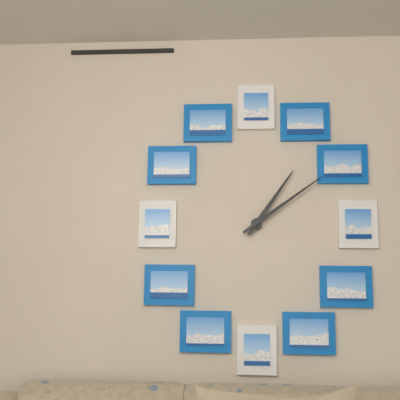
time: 1:09
